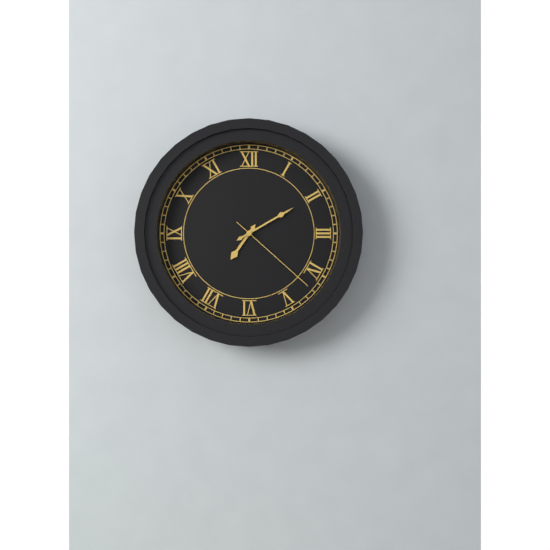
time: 7:10:22
